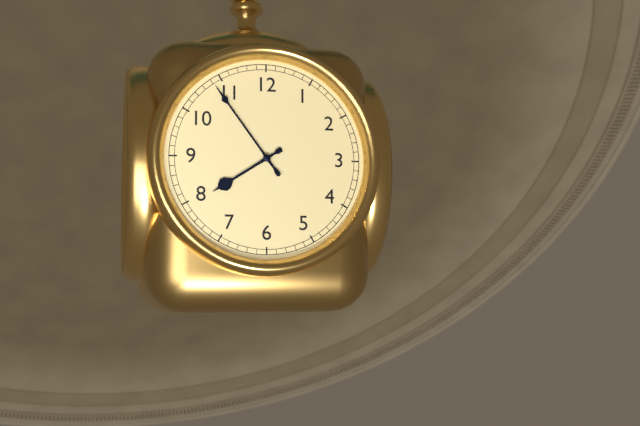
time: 7:54
